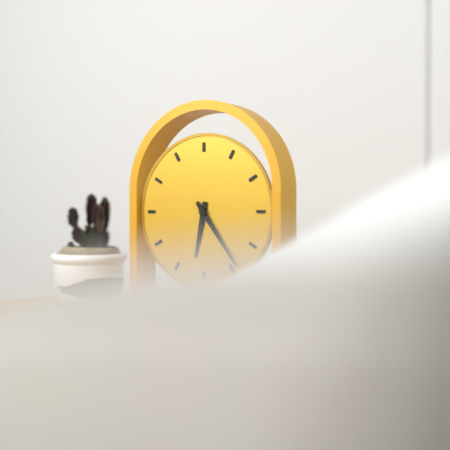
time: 6:24
